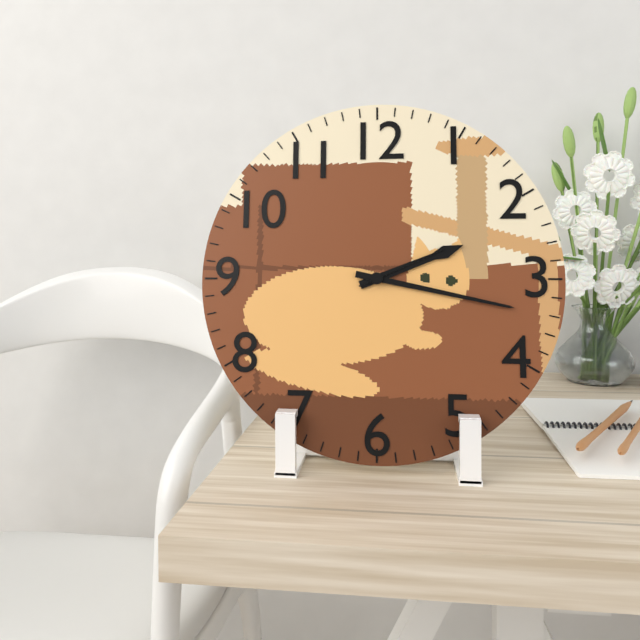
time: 2:17:11
